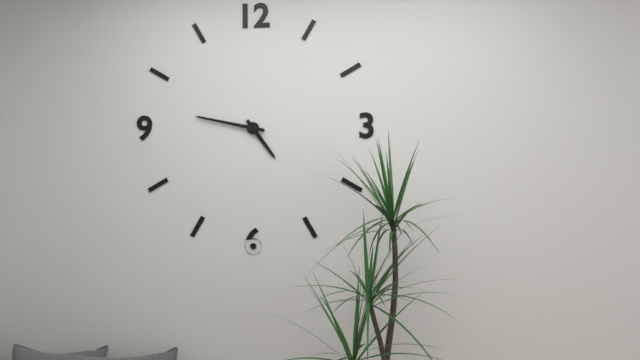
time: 4:47
